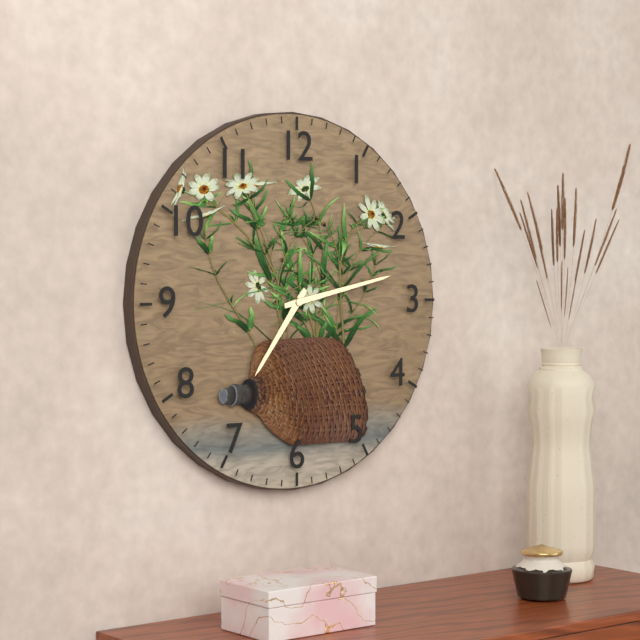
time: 7:13
